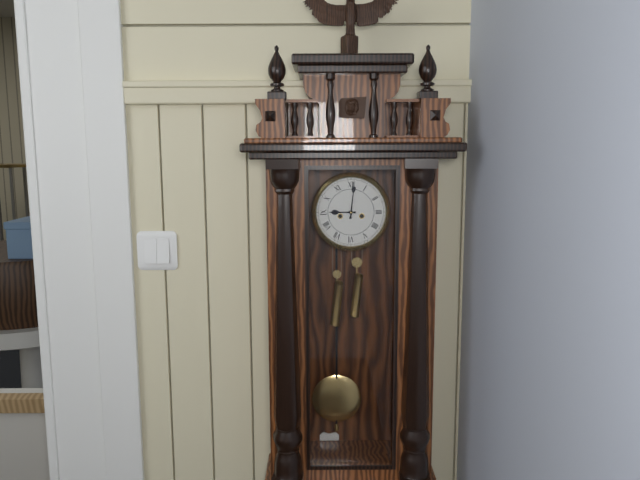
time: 9:01
